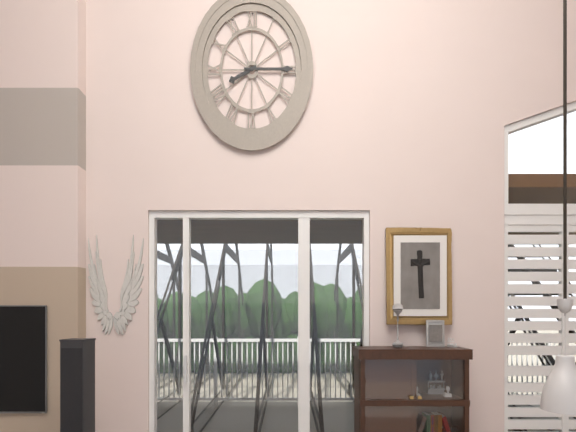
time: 8:15
